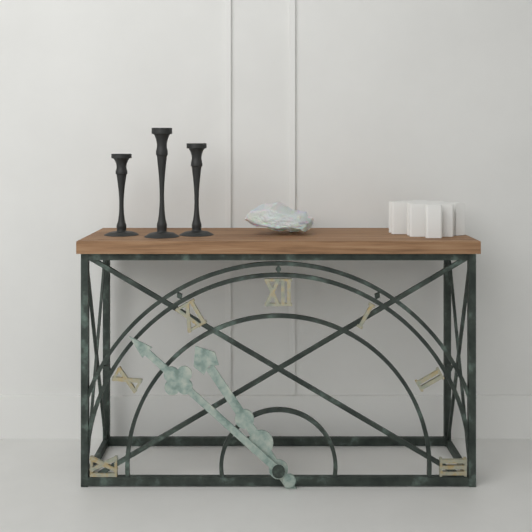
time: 10:52
